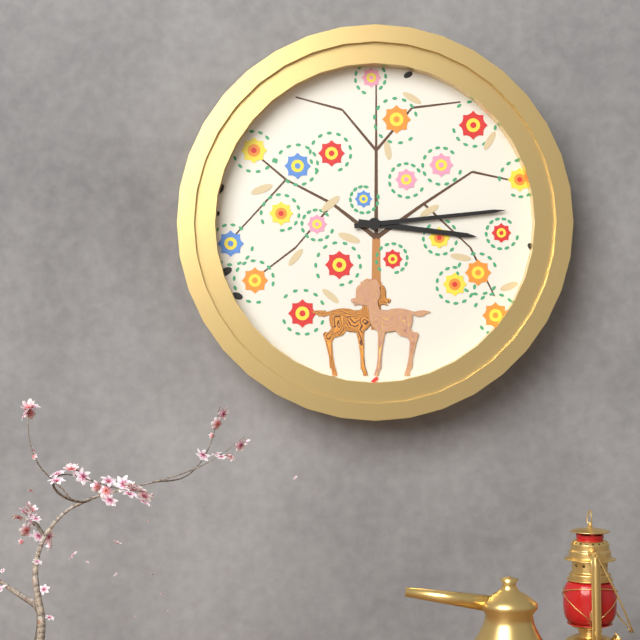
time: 3:14
